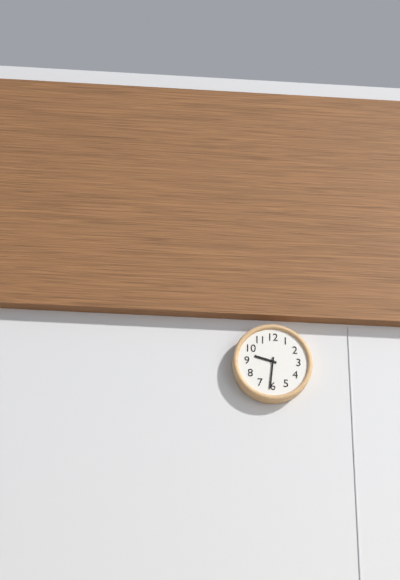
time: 9:31
